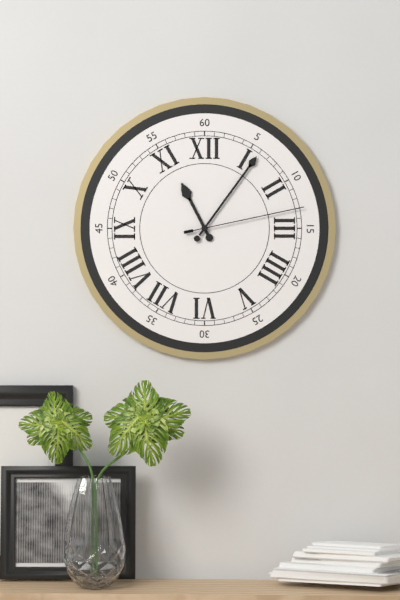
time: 11:06:13
